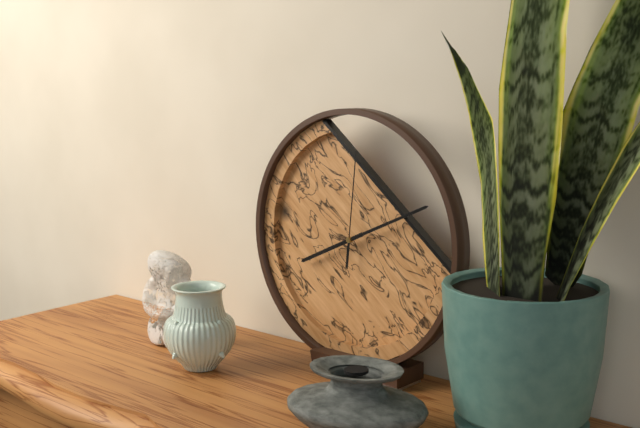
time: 8:11:01
